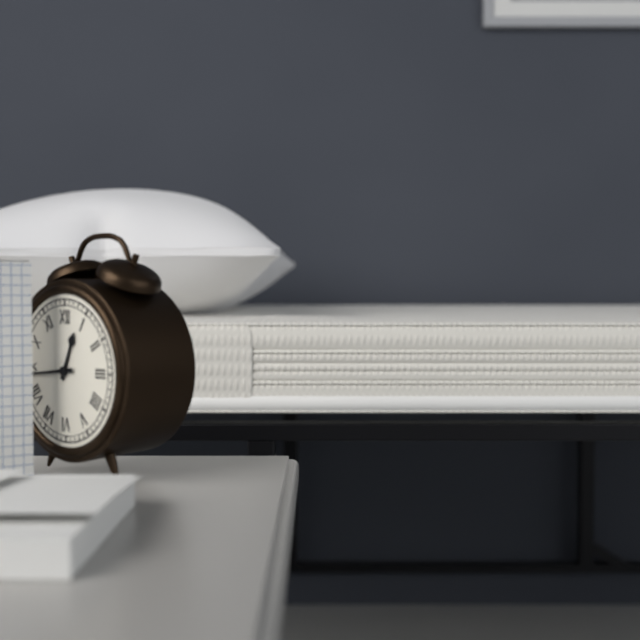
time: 12:44
